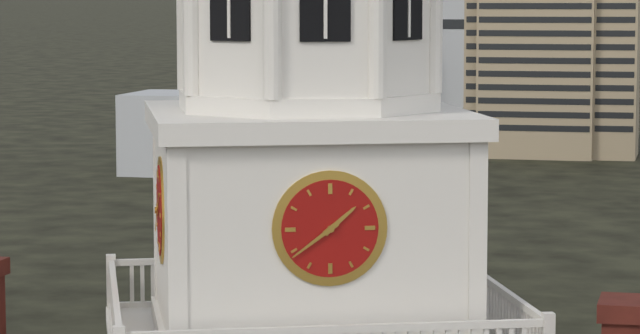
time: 1:39
